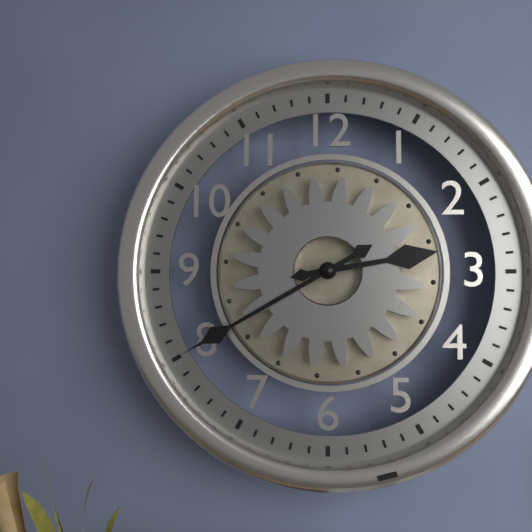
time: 2:40
